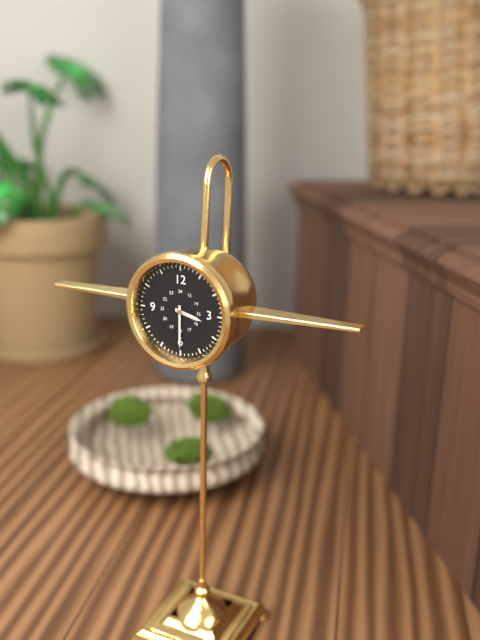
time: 3:30
